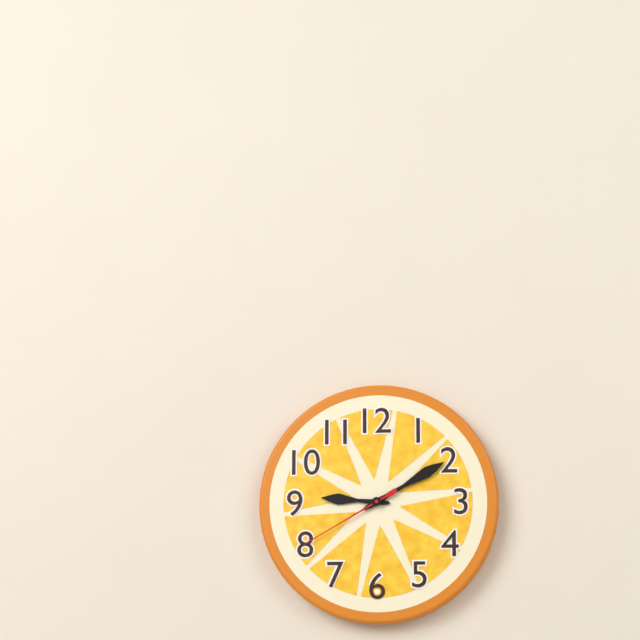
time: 9:10:40
